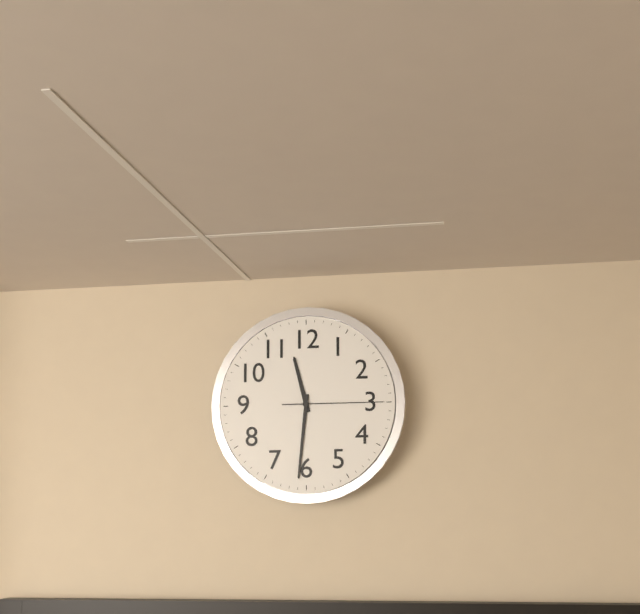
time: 11:31:15
